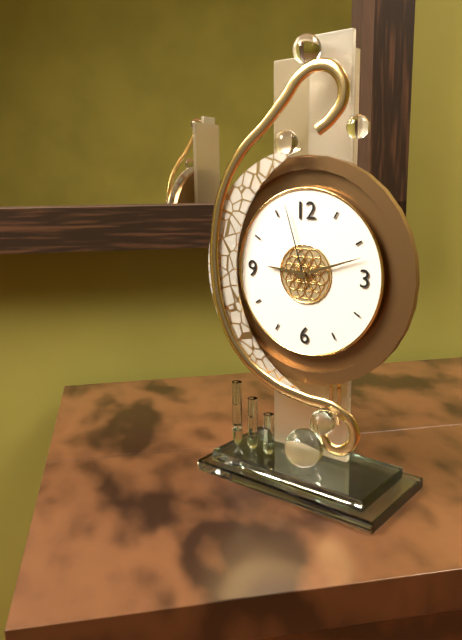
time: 9:12:57
